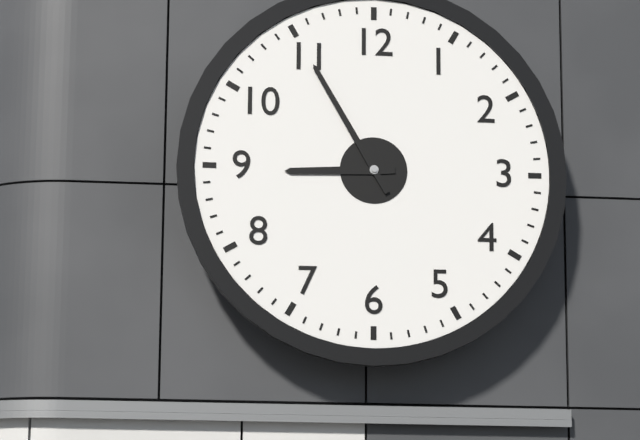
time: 8:55
